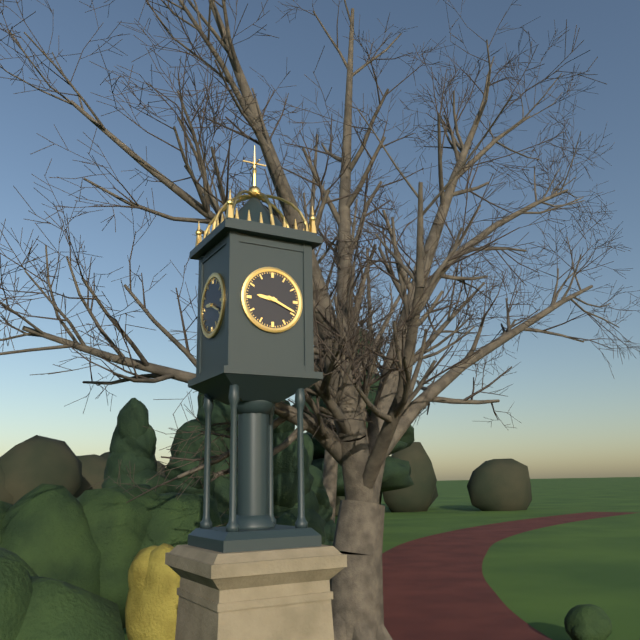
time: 9:19
